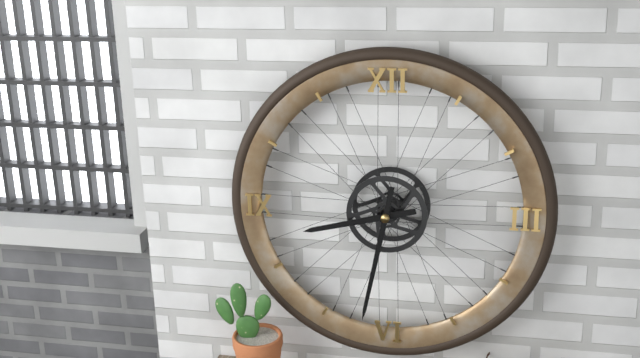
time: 8:32
